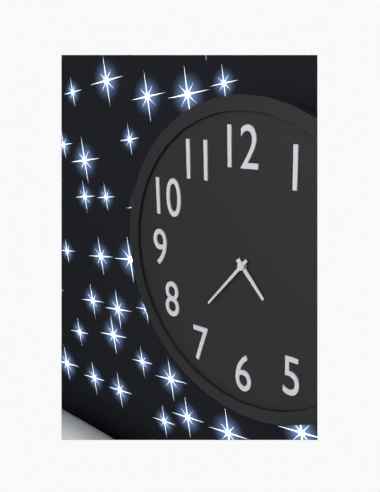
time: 4:37
